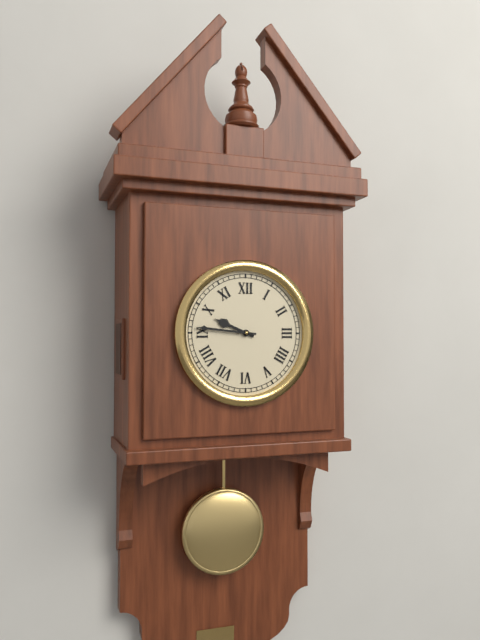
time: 9:46
